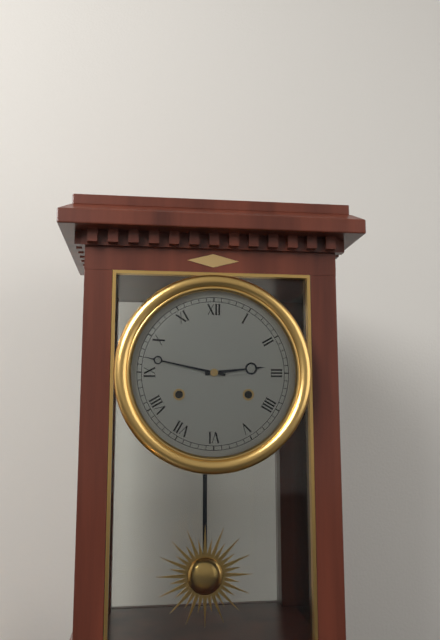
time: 2:47
